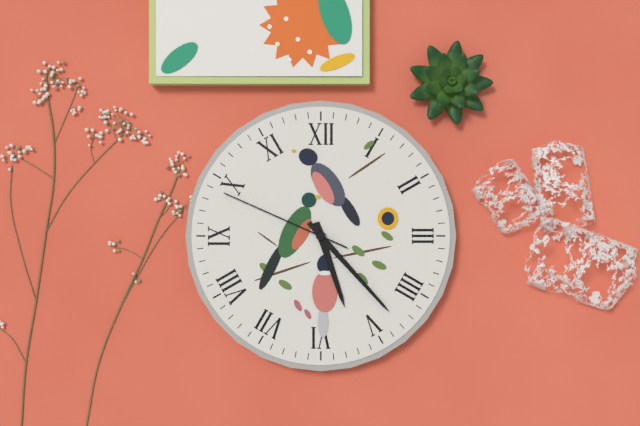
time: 5:23:49
